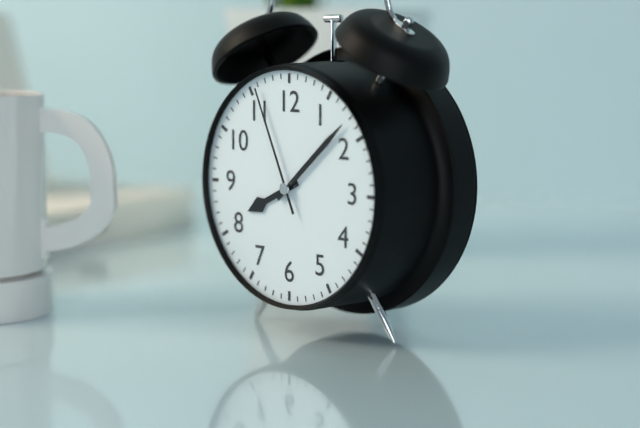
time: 8:08:56
